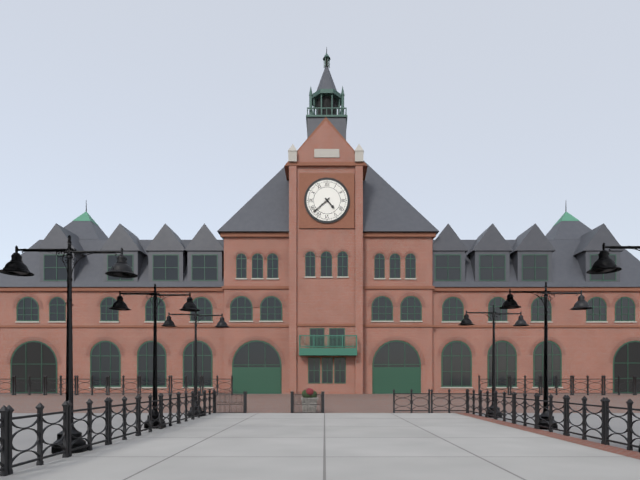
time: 4:38
